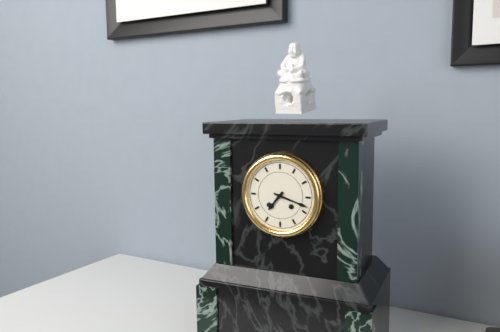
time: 7:18
